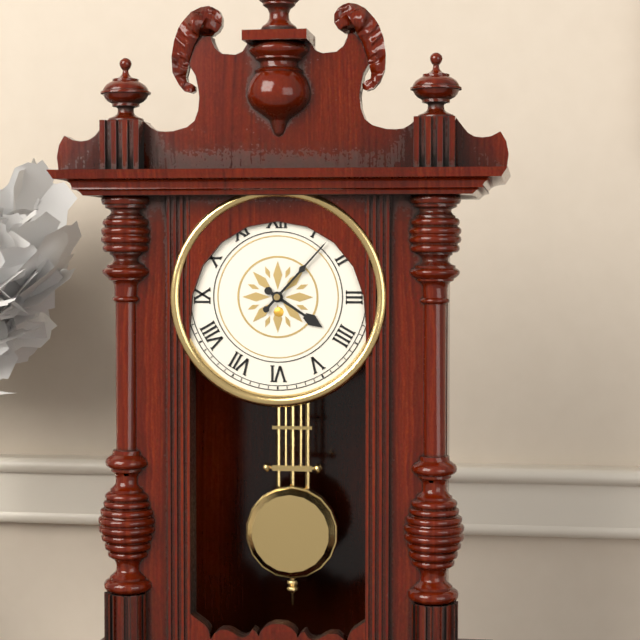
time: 4:07
